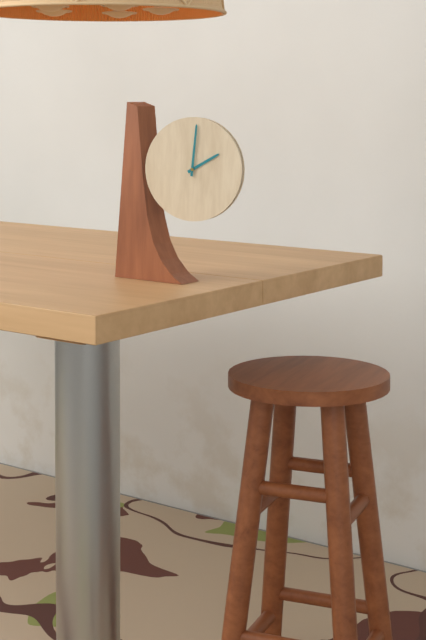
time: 2:01
